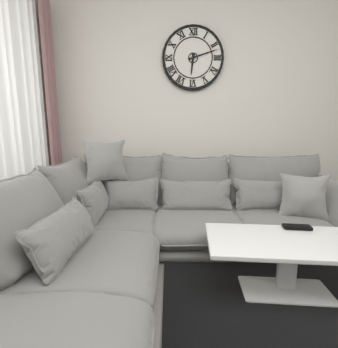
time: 6:12
